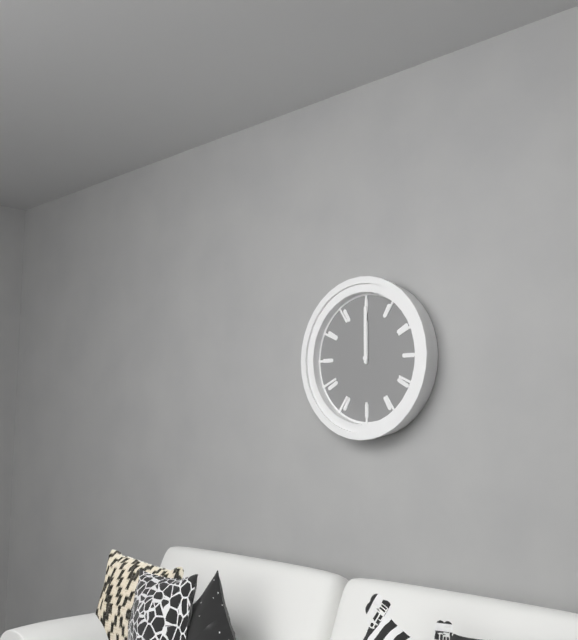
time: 12:00
